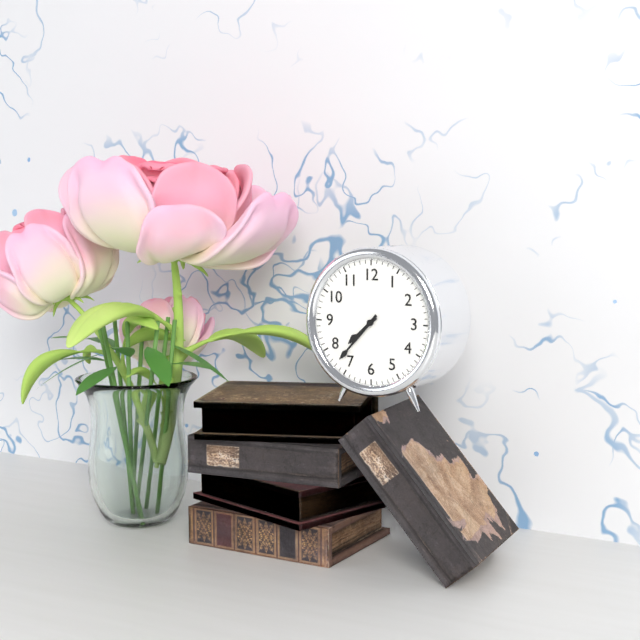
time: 7:37
